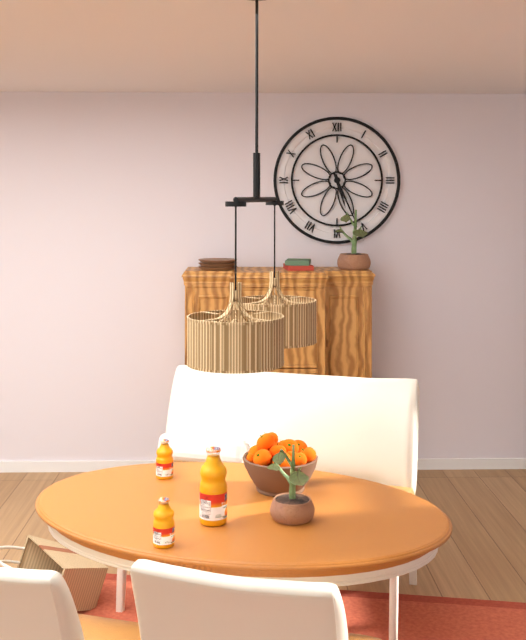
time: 5:26
